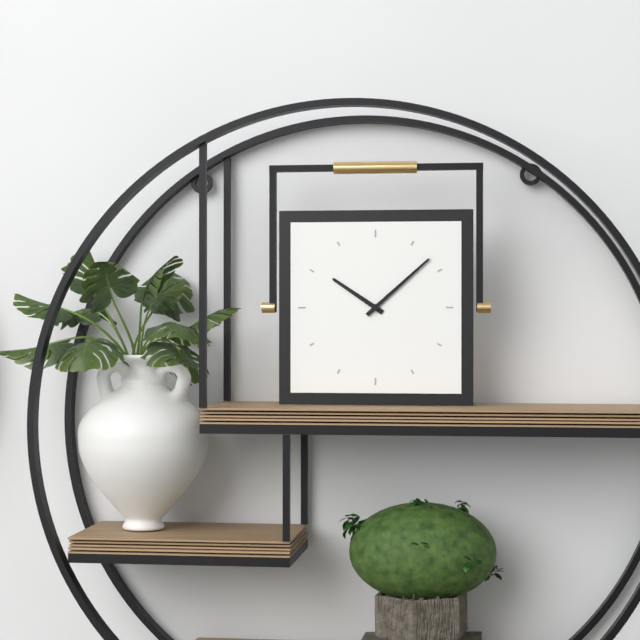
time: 10:08
